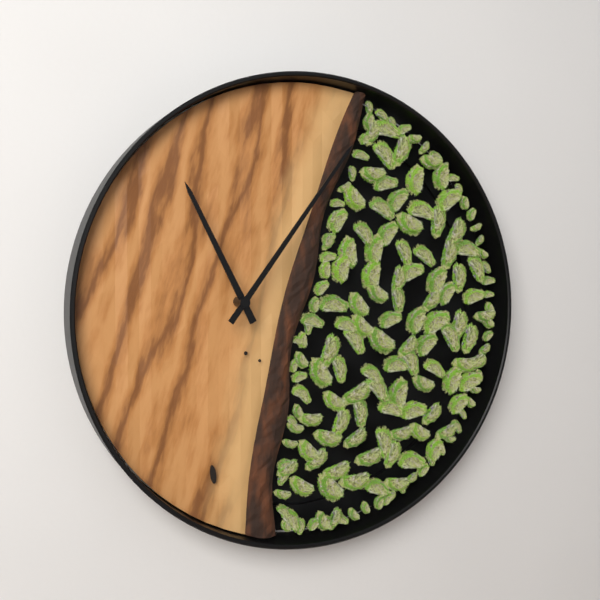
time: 11:06
